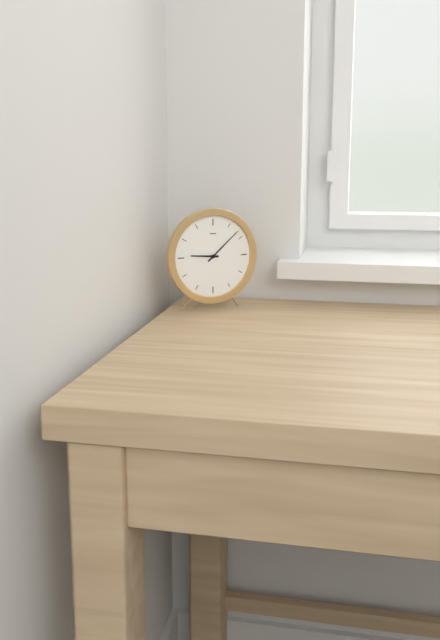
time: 9:08
